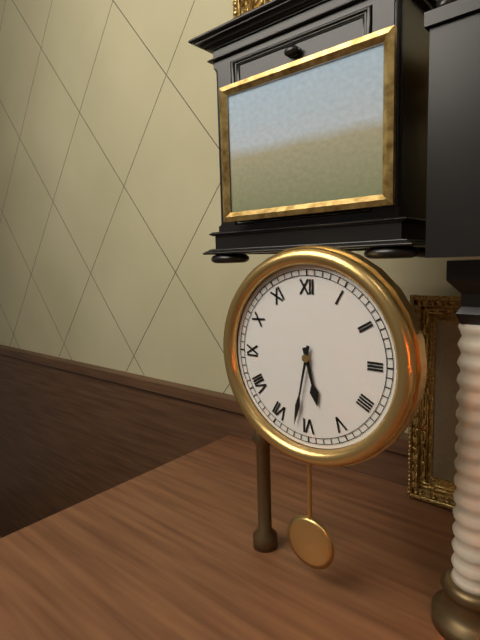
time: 5:32
